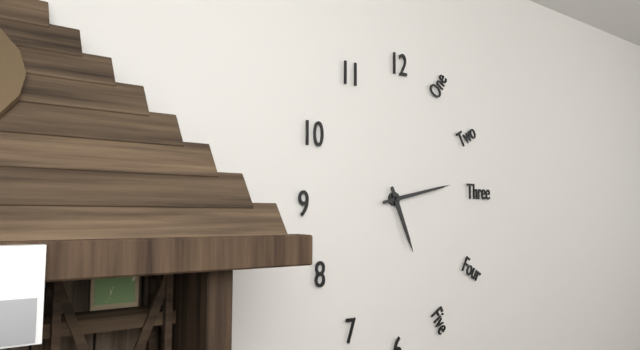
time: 5:13
